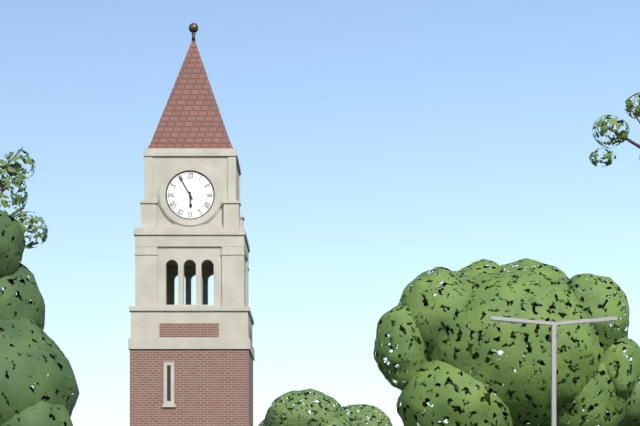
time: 5:55
